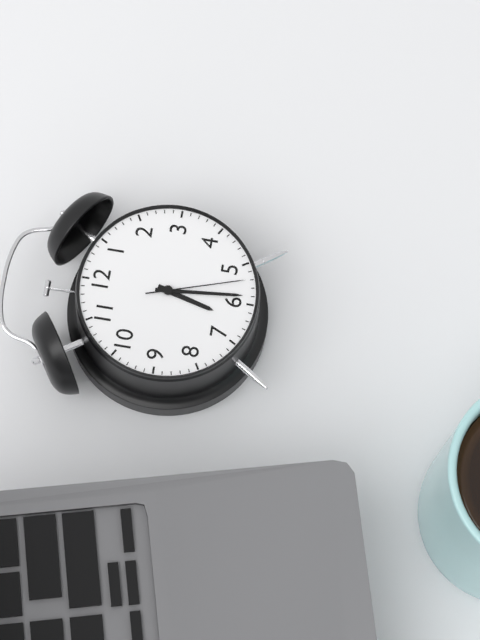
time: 6:29:27
